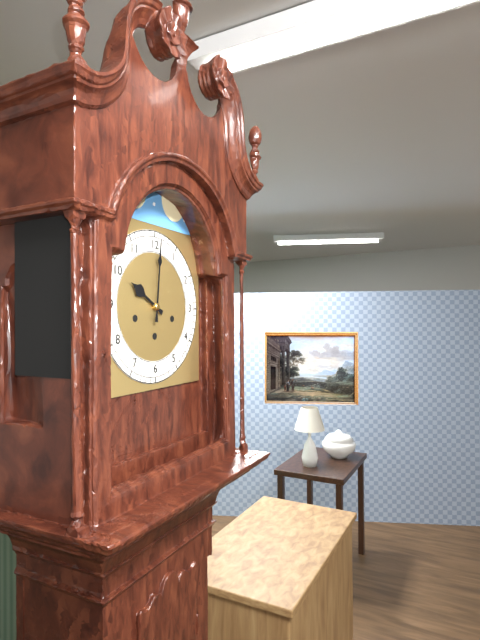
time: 10:01
